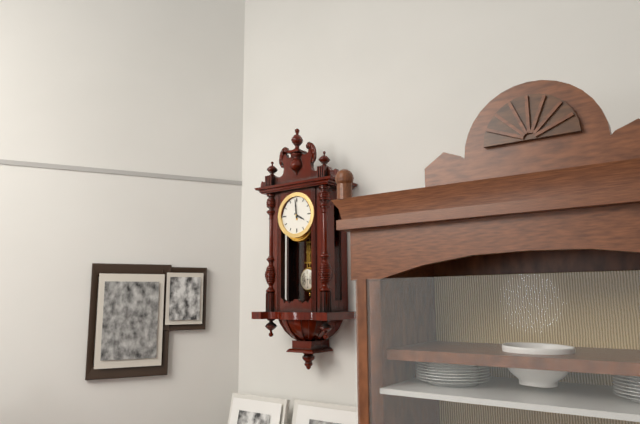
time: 3:59
